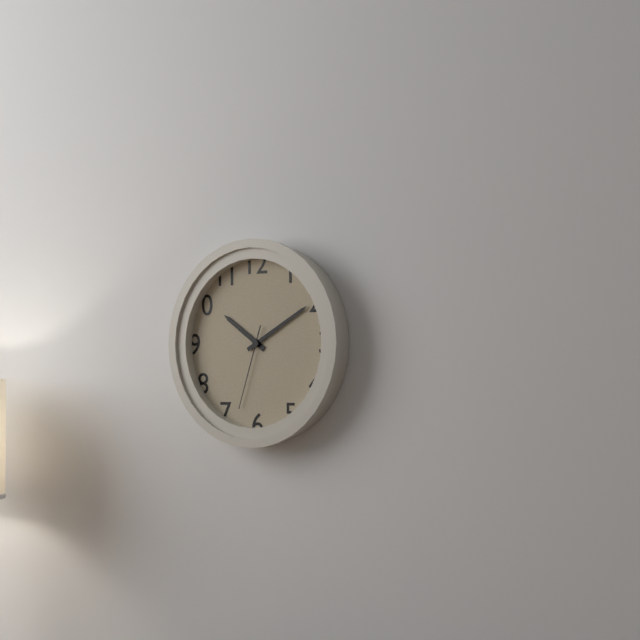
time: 10:10:33
